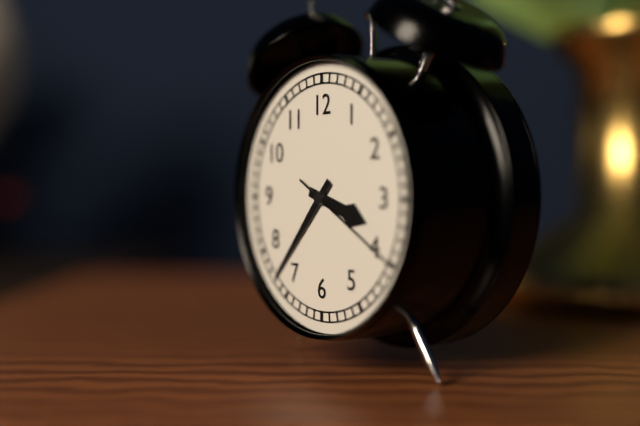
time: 3:37:20
